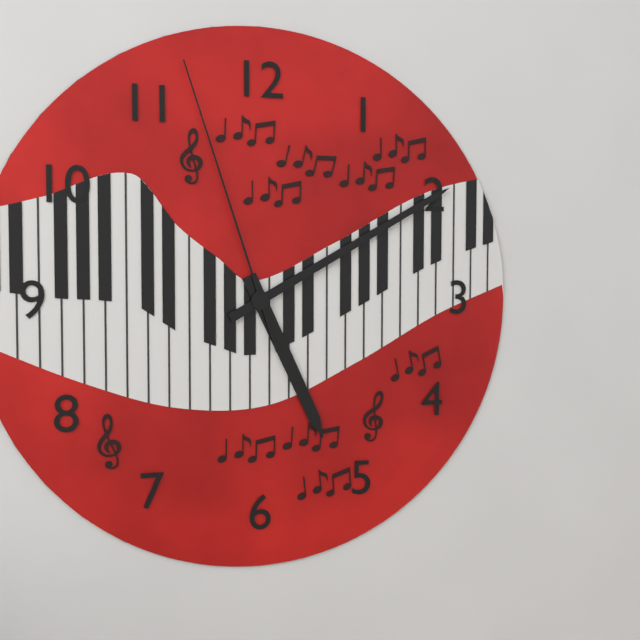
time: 5:10:57
